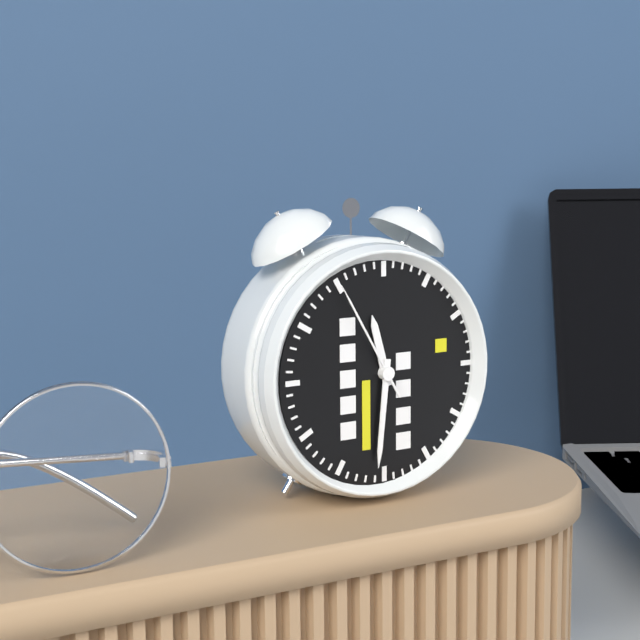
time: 11:31:55
